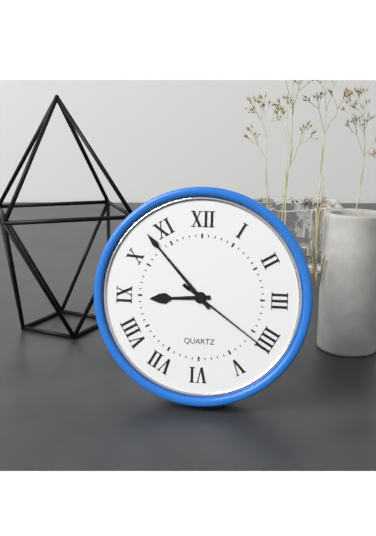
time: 8:53:21
